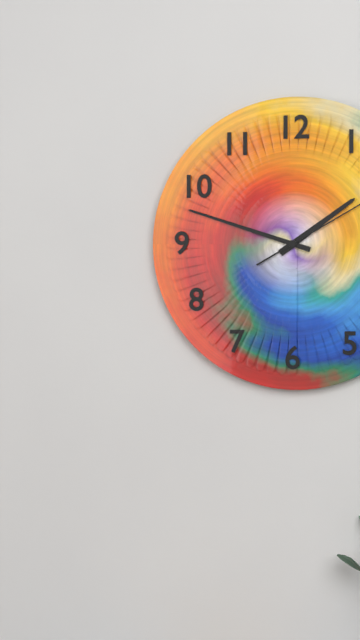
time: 1:48
